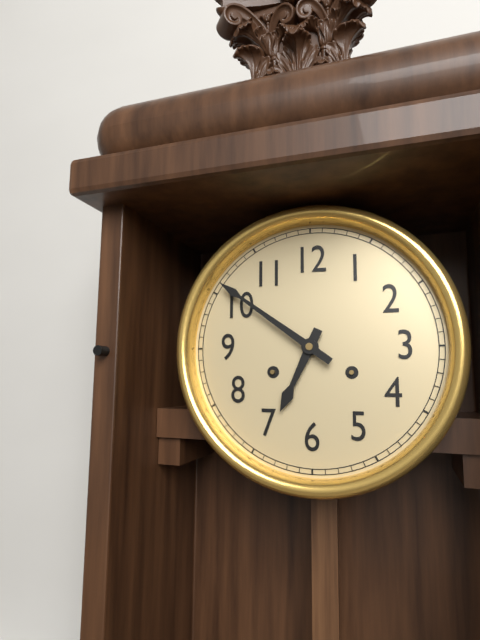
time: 6:51
